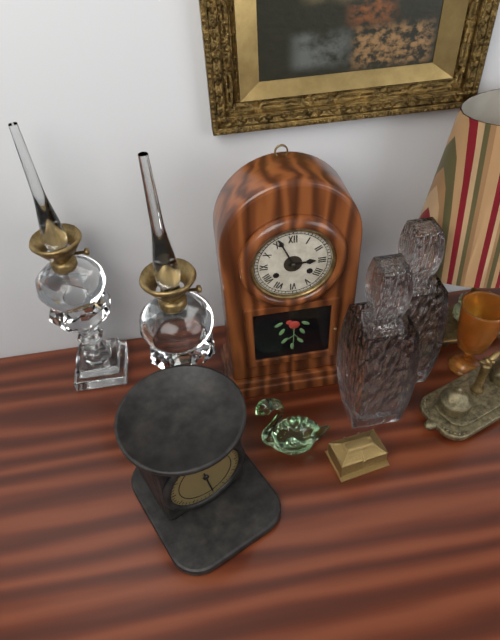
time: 2:56
